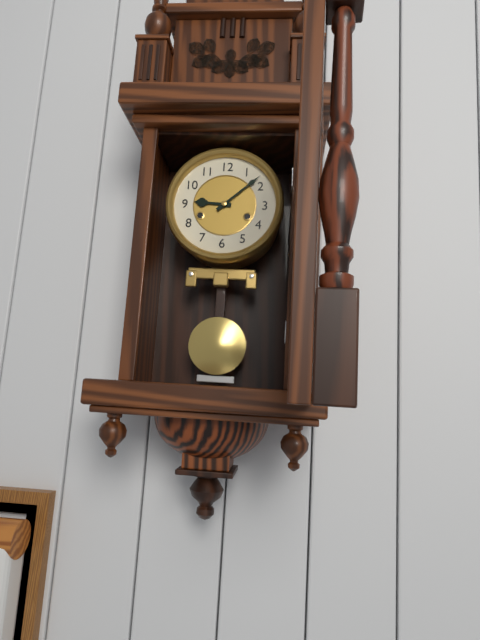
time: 9:08
